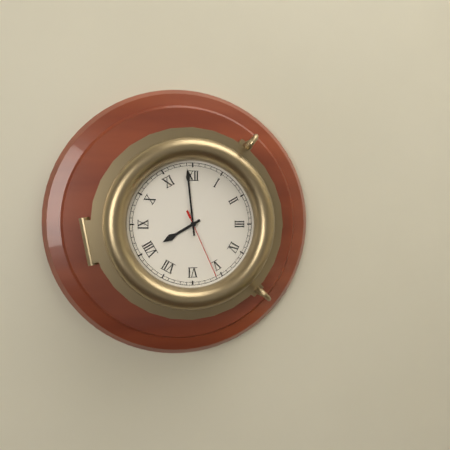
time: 7:59:26
